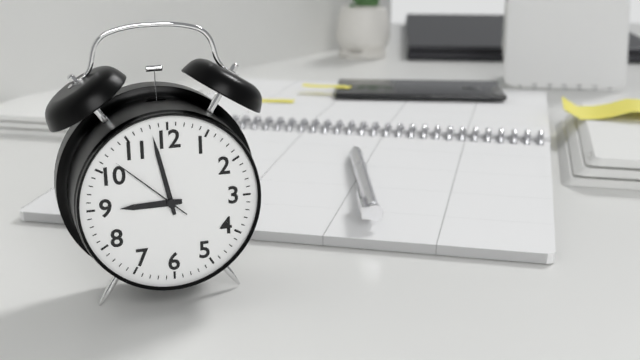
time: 8:58:52
